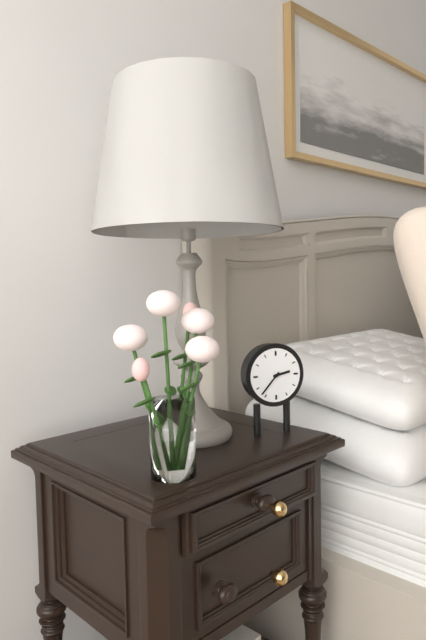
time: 2:37
